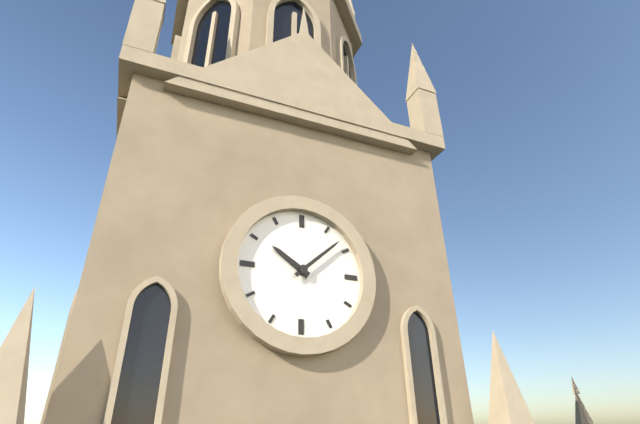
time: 10:08
